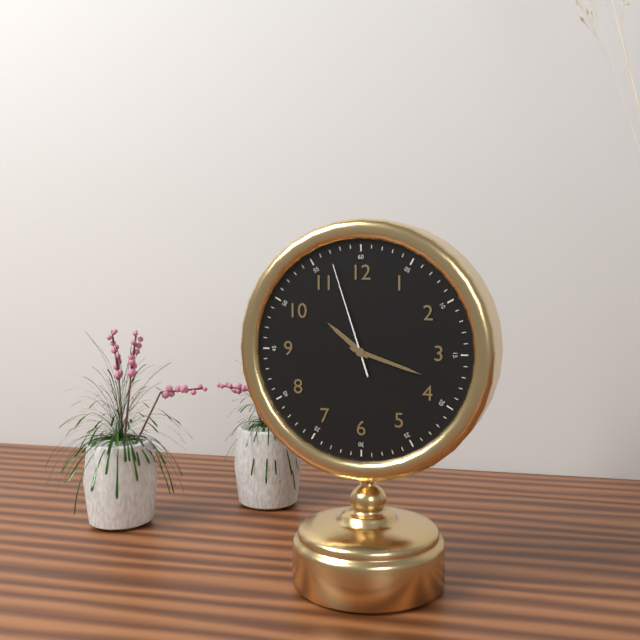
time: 10:18:57
